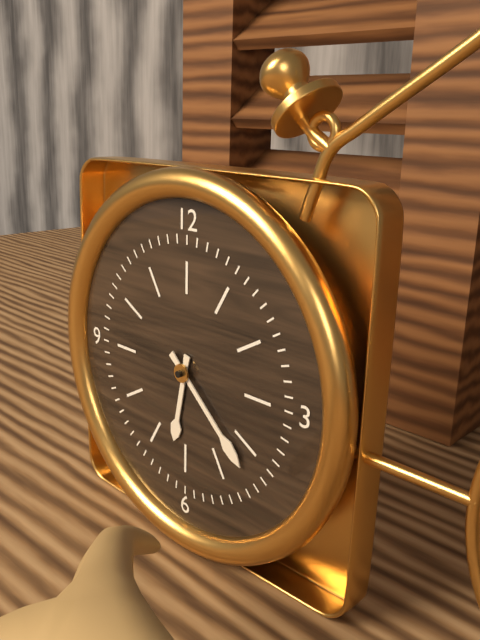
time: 6:22
